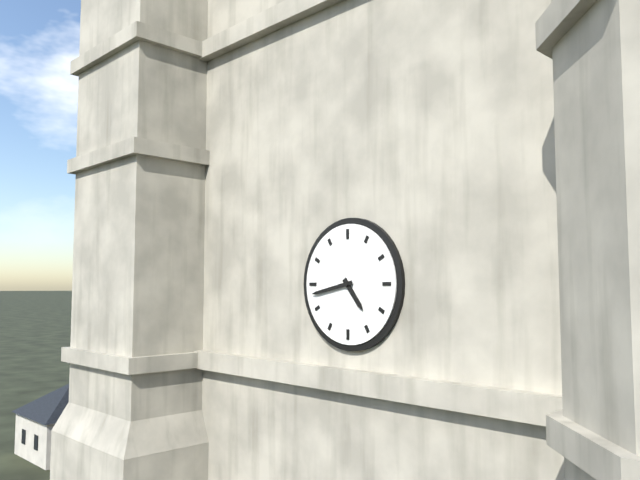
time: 4:43
